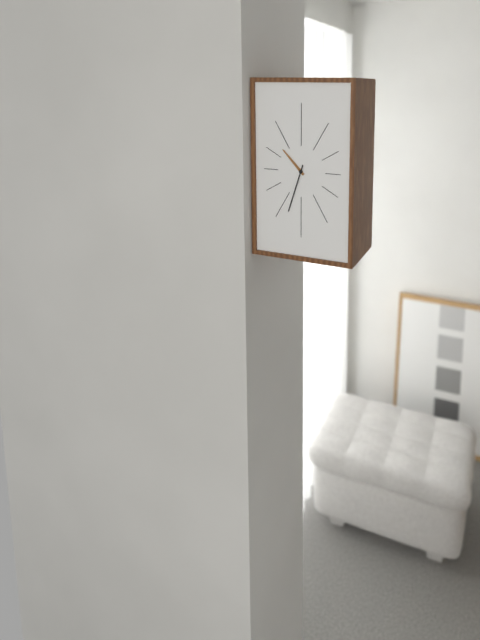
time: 10:33
